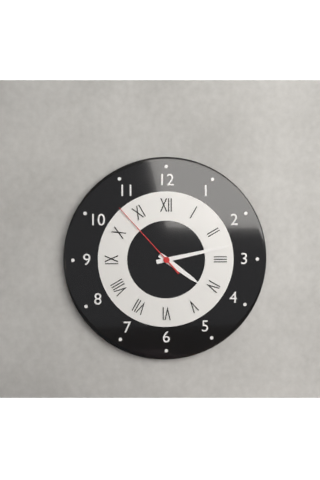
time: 4:13:53
